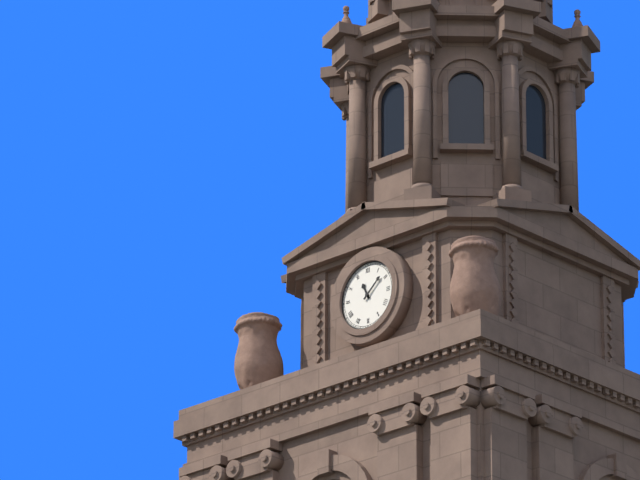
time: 11:08
